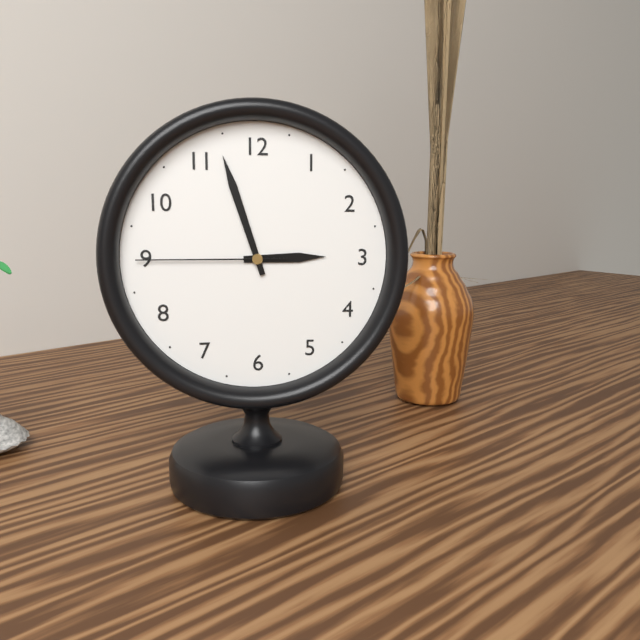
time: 2:57:45
